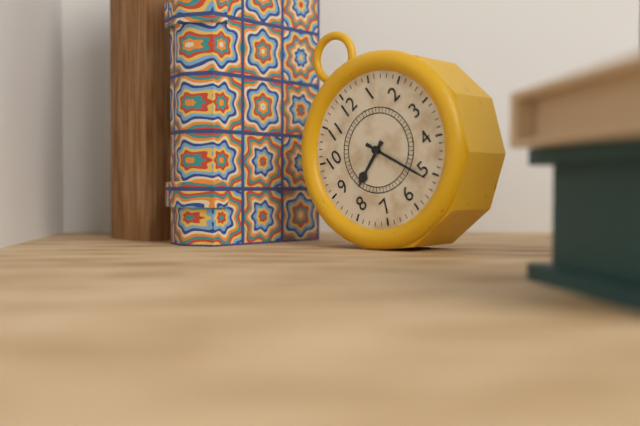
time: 8:26
